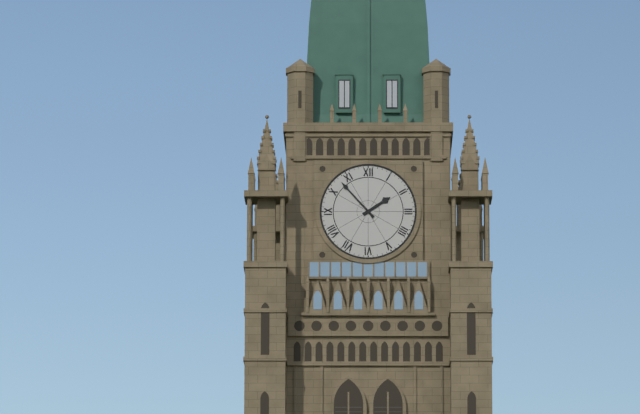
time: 1:53
